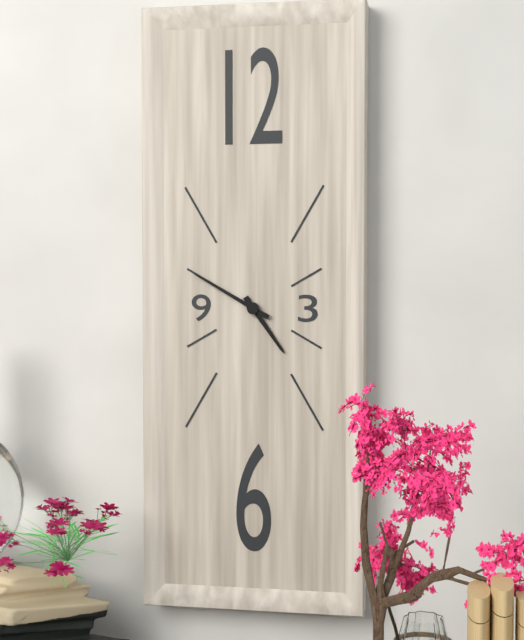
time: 4:50
